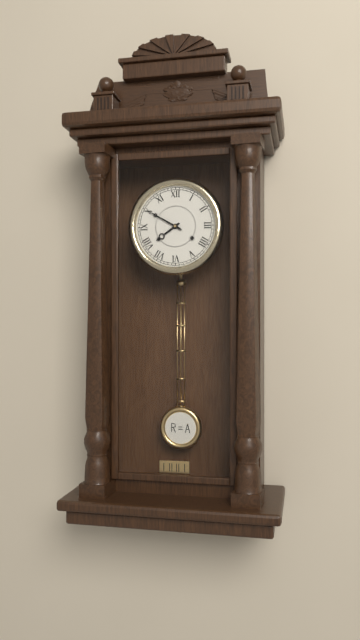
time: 7:50
